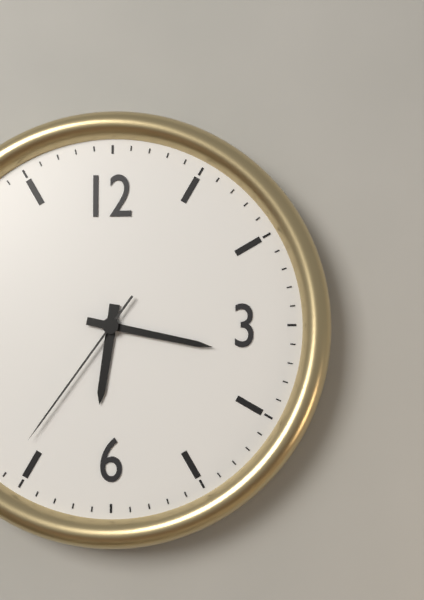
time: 6:17:36
